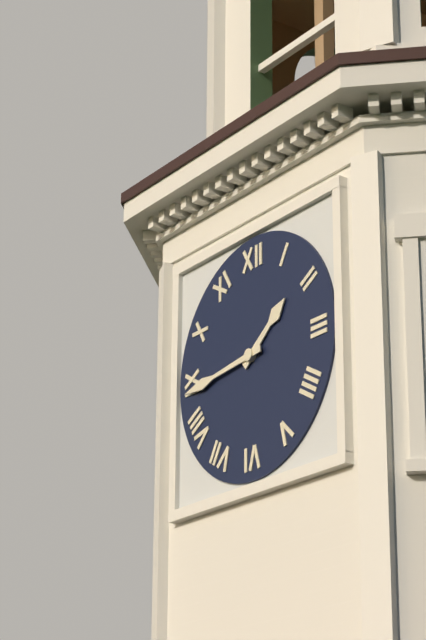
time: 1:44
